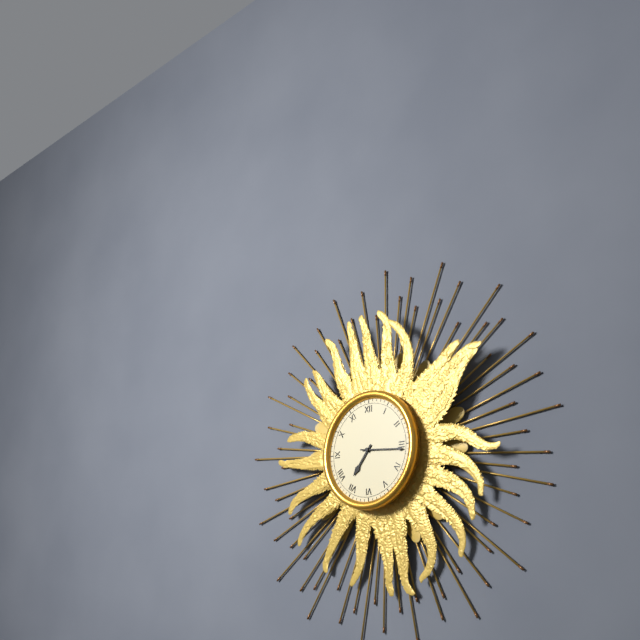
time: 7:16
